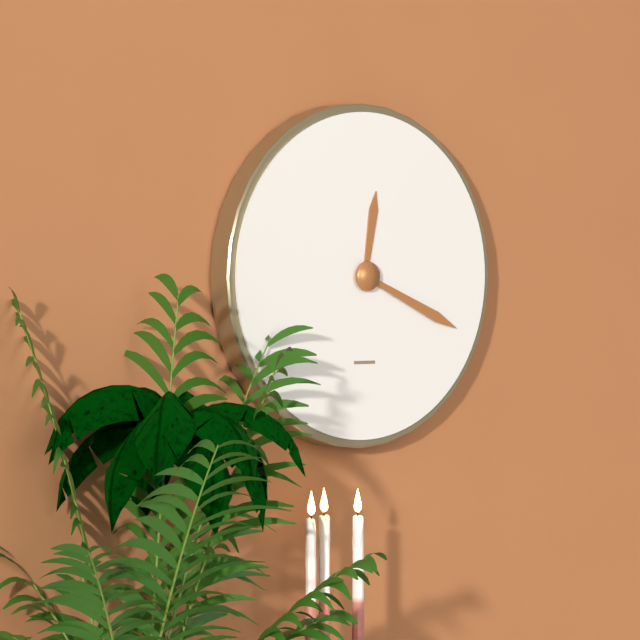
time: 12:19
